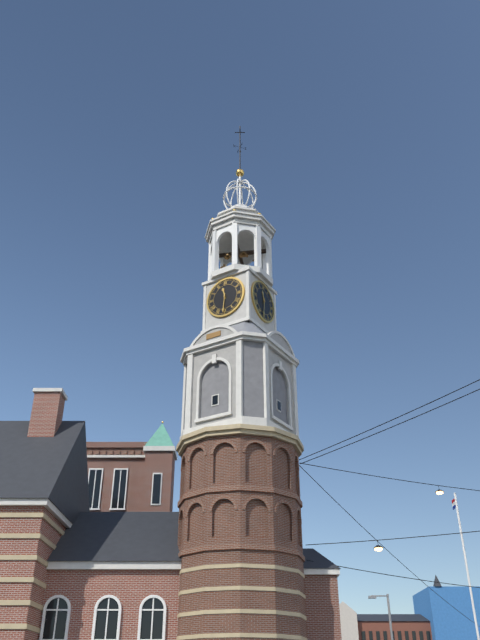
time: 11:31
